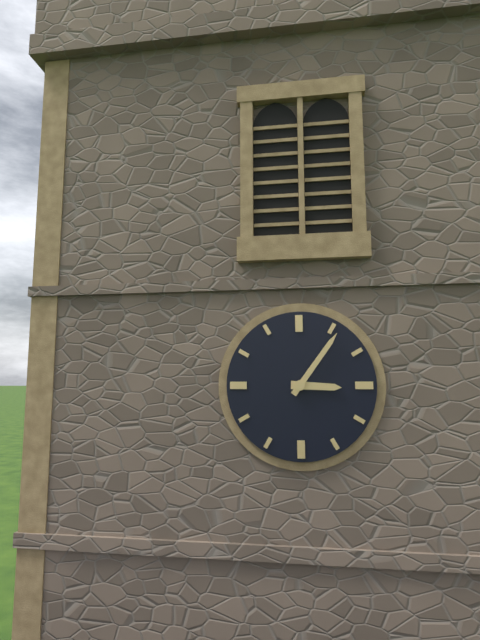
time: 3:06
